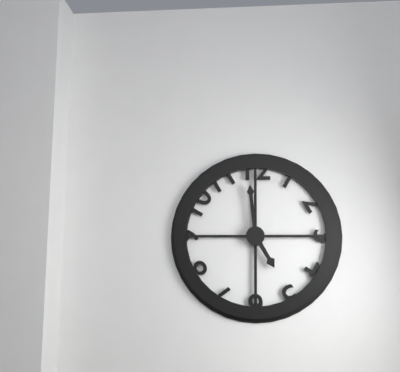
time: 4:59
